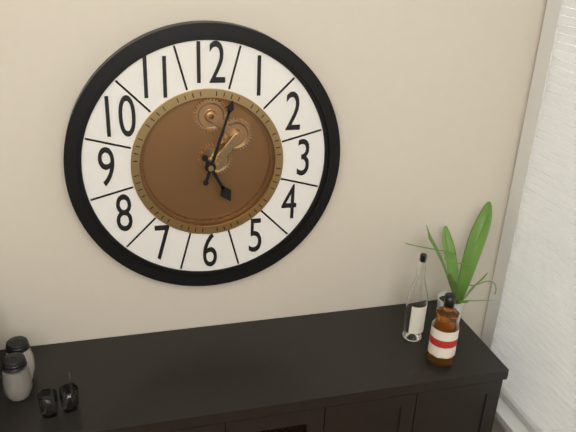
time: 5:03
